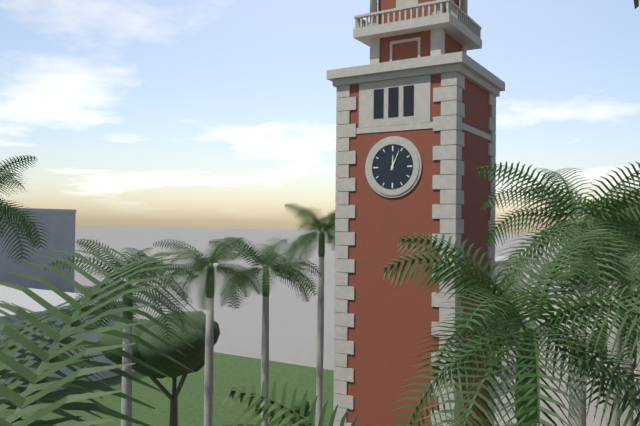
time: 12:04
